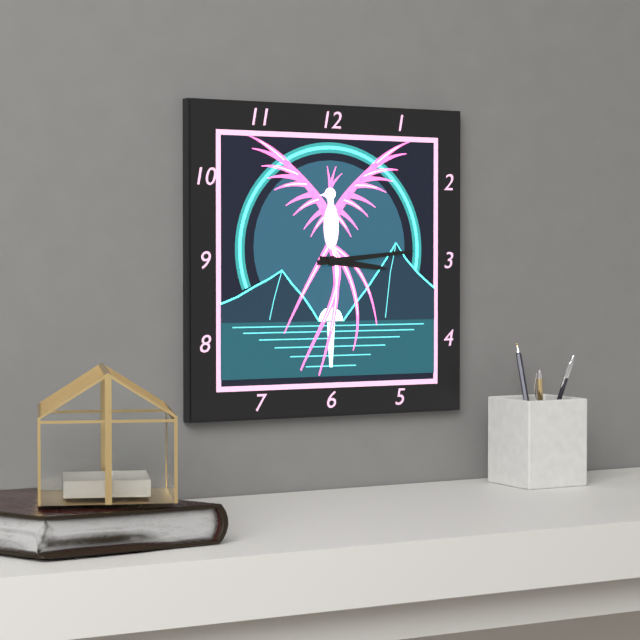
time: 3:14
